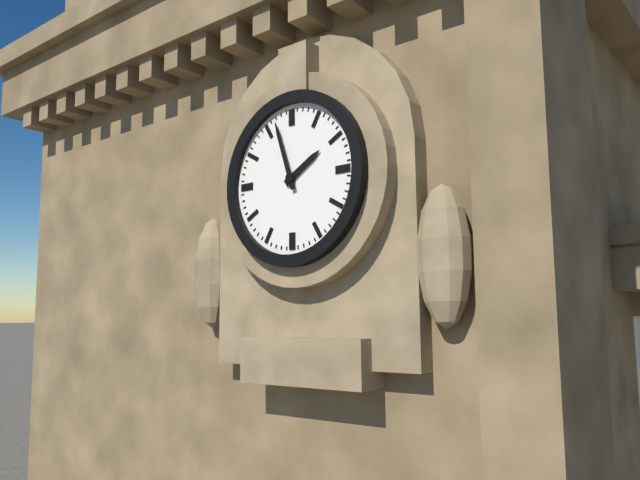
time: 1:57
